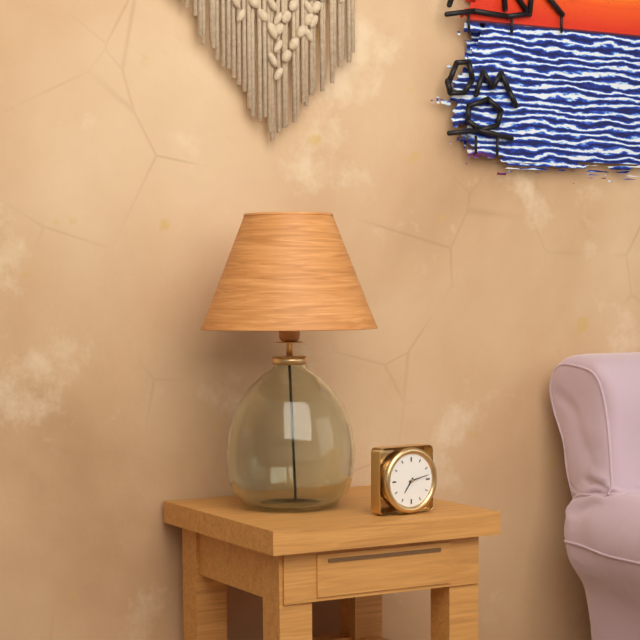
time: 7:13
